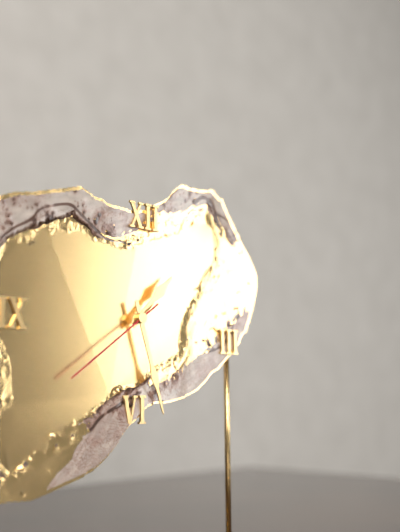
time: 1:27:39
